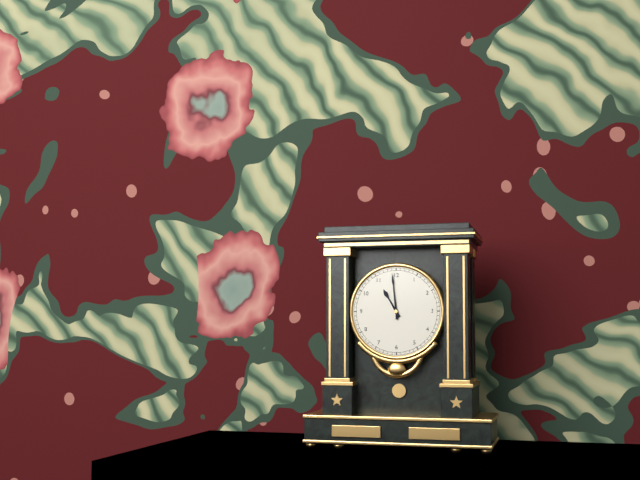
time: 10:59
